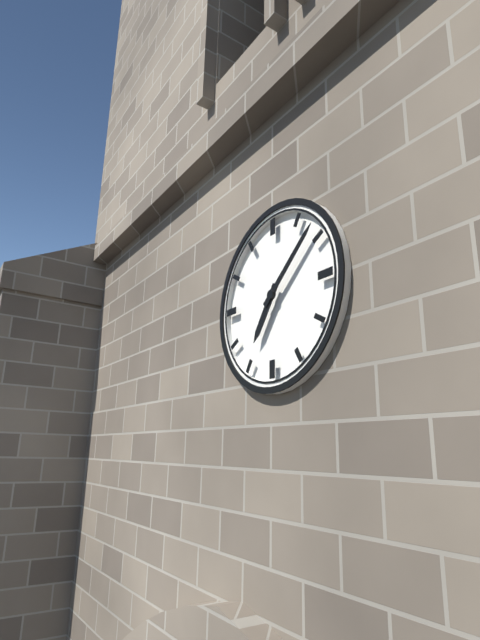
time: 7:08
